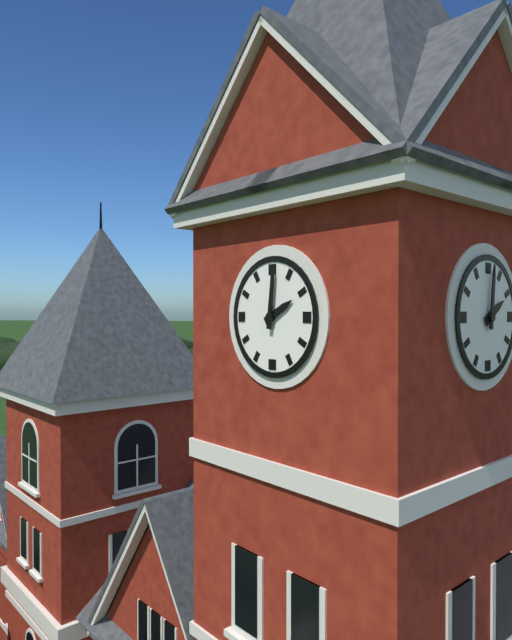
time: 2:01
